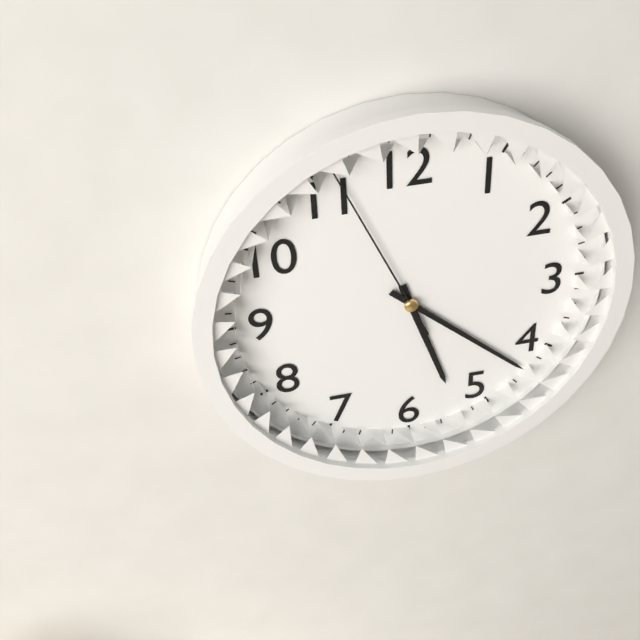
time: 5:22:56
